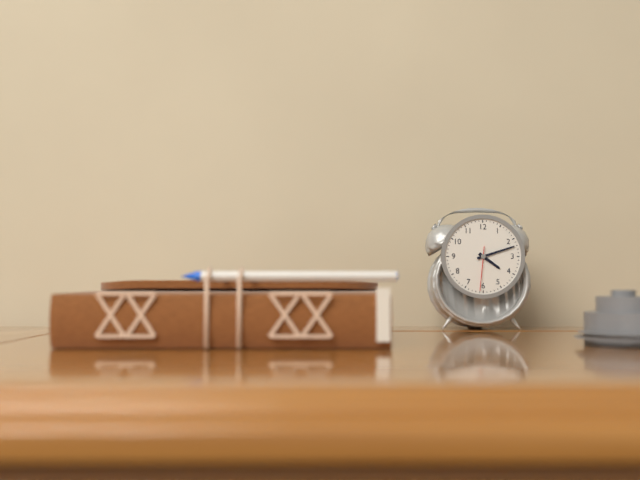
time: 4:12
